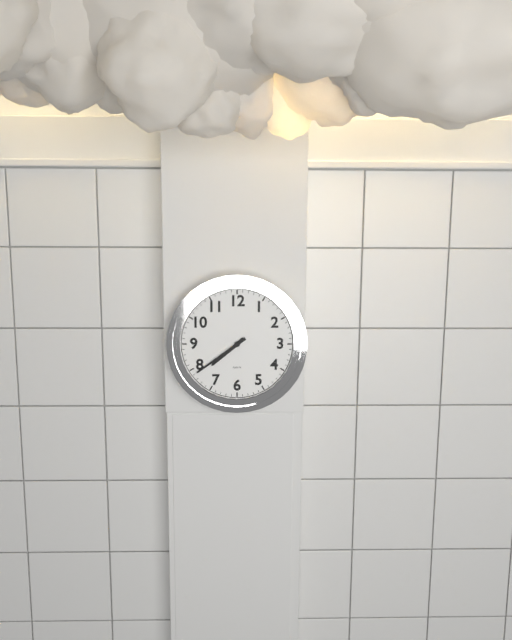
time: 7:39
